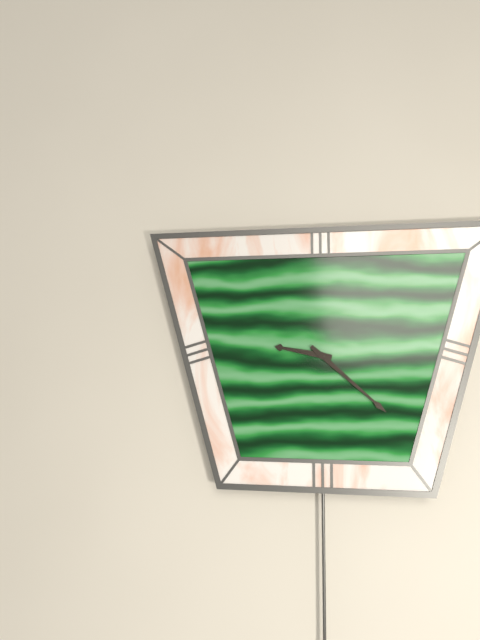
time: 9:22
